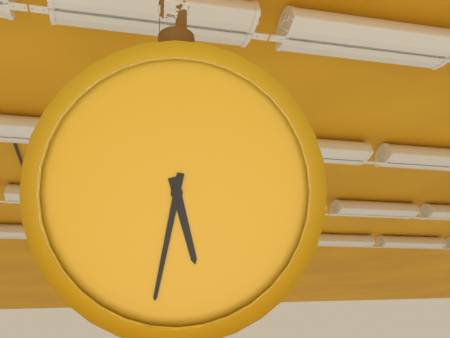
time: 5:32
